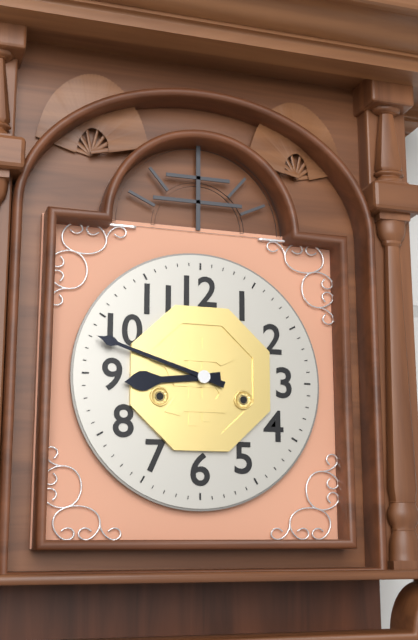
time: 8:48
